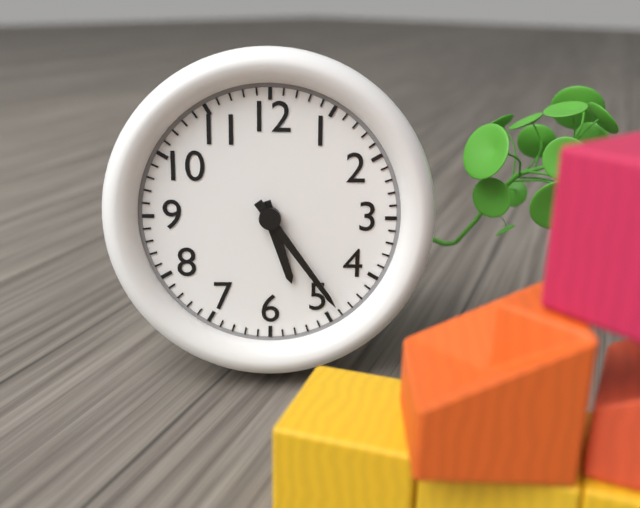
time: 5:24
